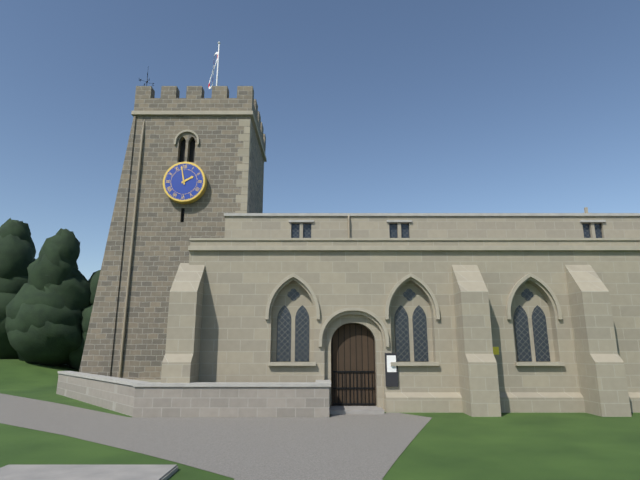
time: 1:58
